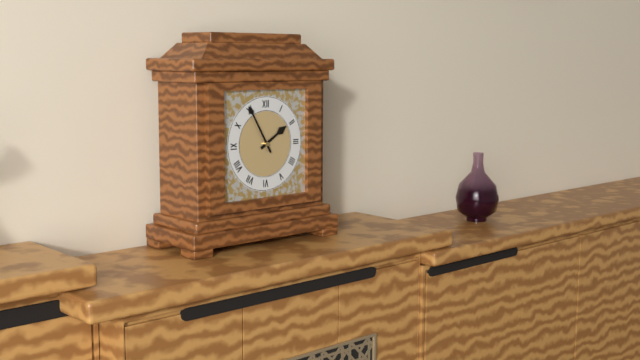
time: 1:55
